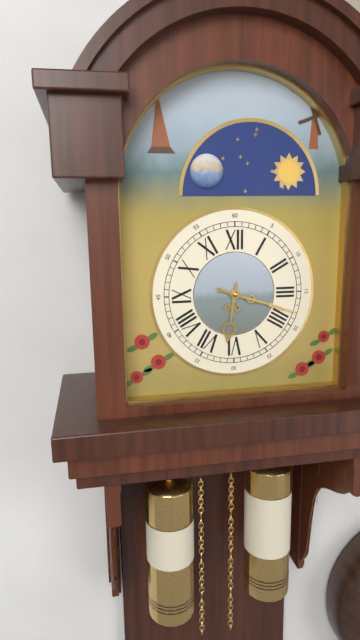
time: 6:18
